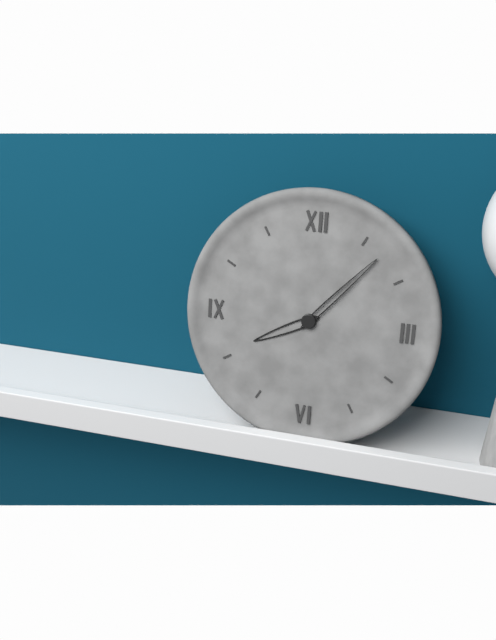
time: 8:07
